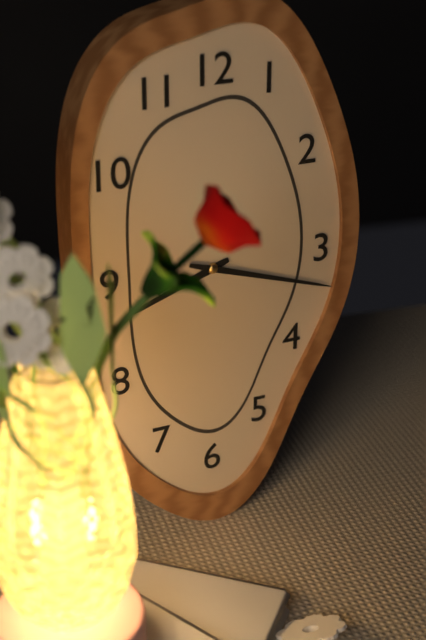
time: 8:18
